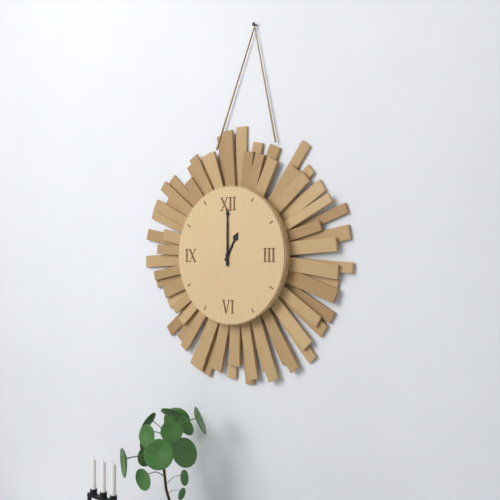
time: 1:00
